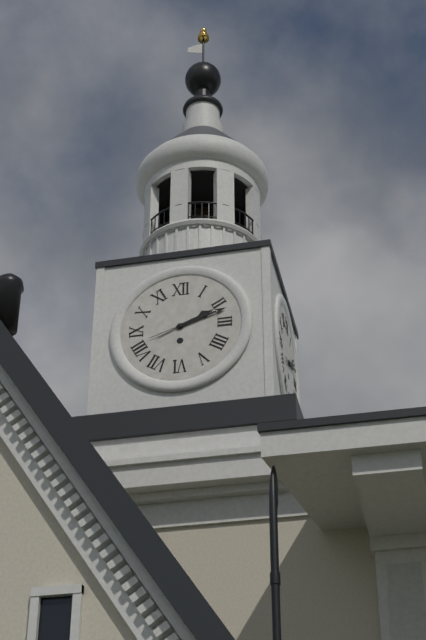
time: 2:12
